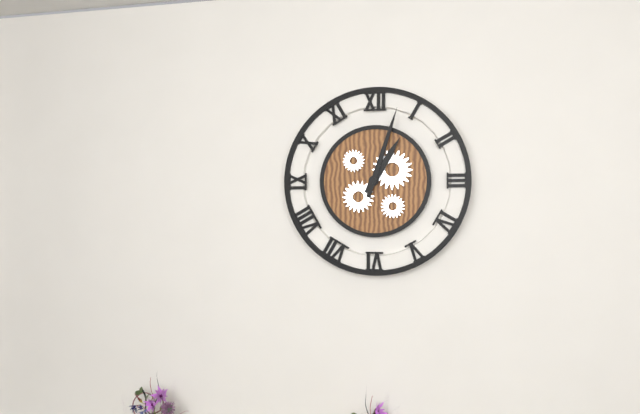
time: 1:03
